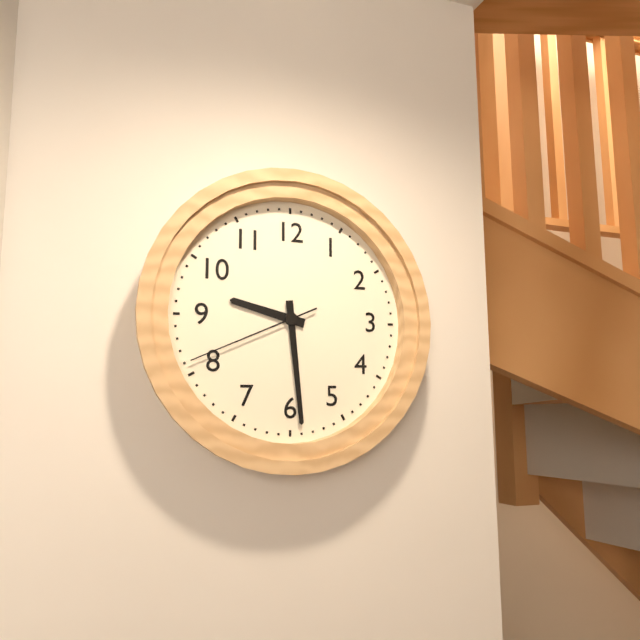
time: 9:29:41
